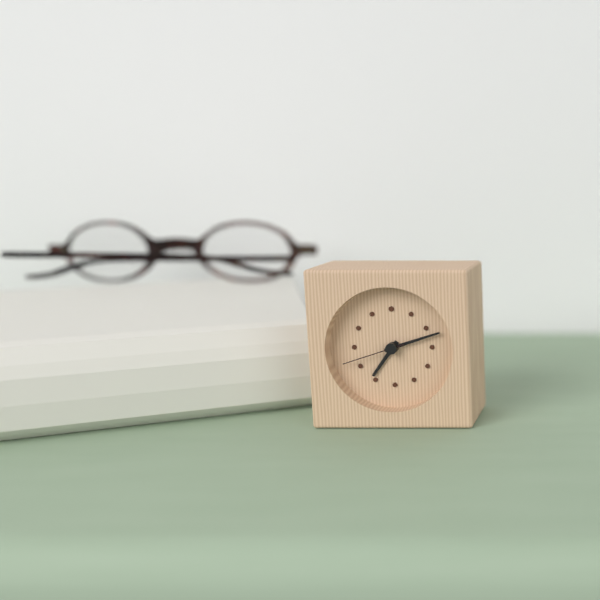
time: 7:12:42
